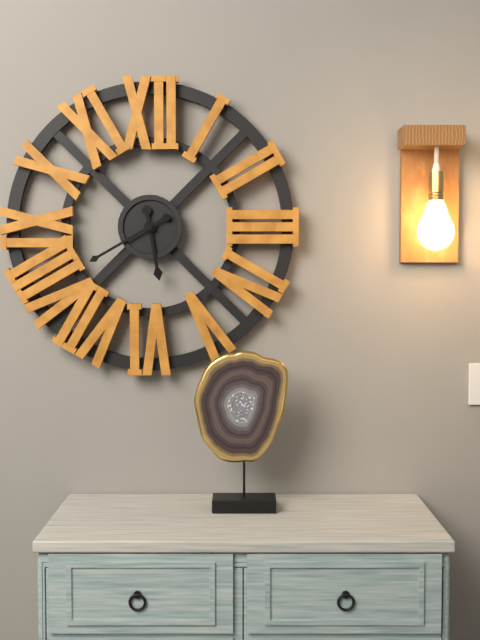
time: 5:40
